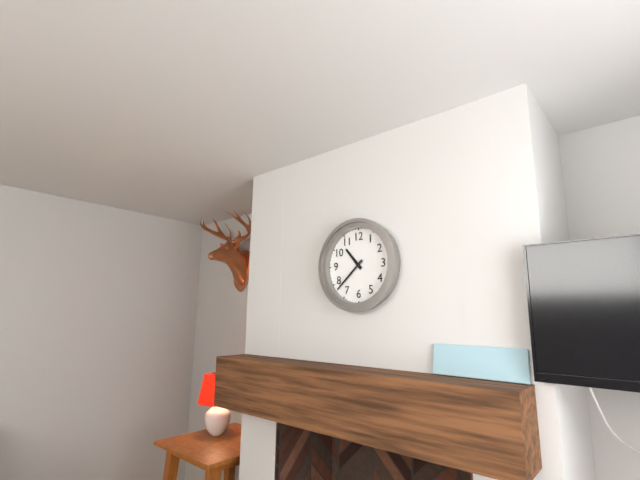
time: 10:38
